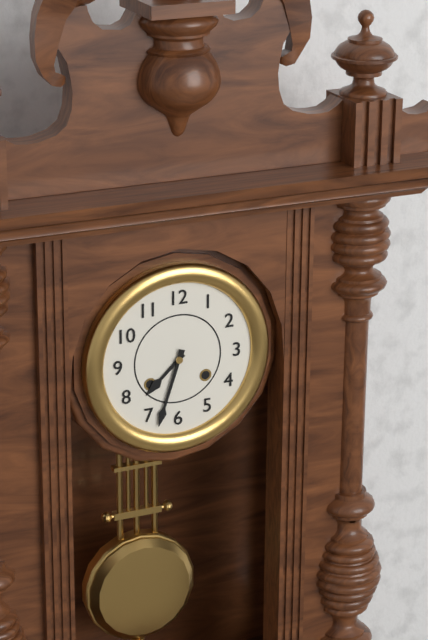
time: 7:33
